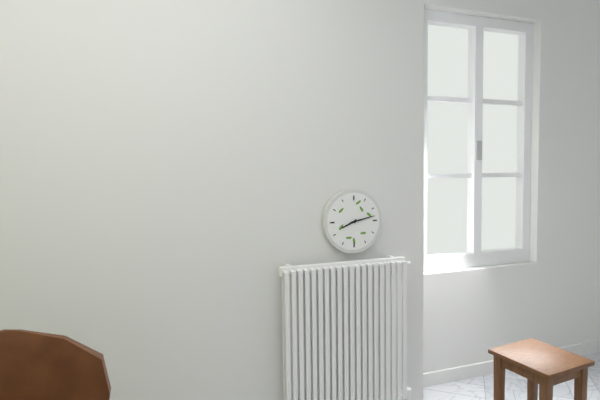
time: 8:13
